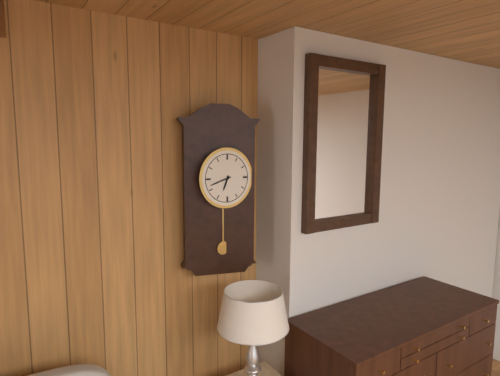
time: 6:42
